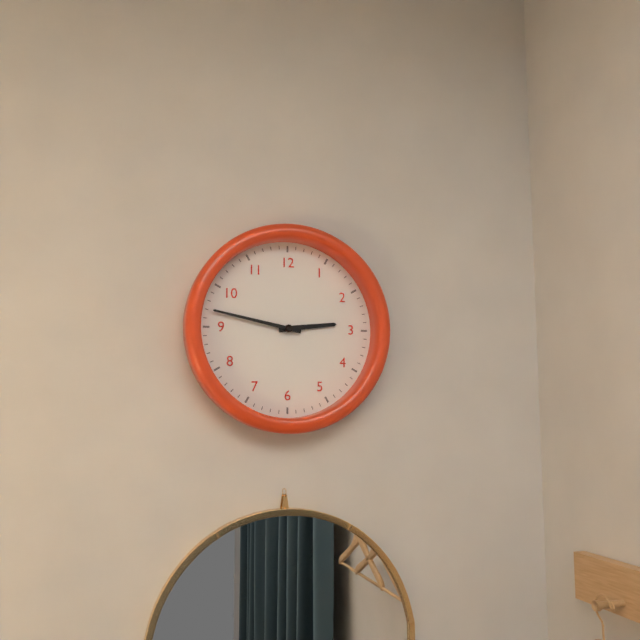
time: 2:47
